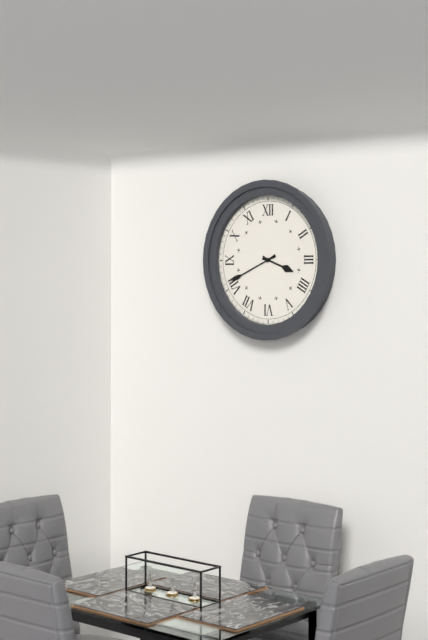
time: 3:41
